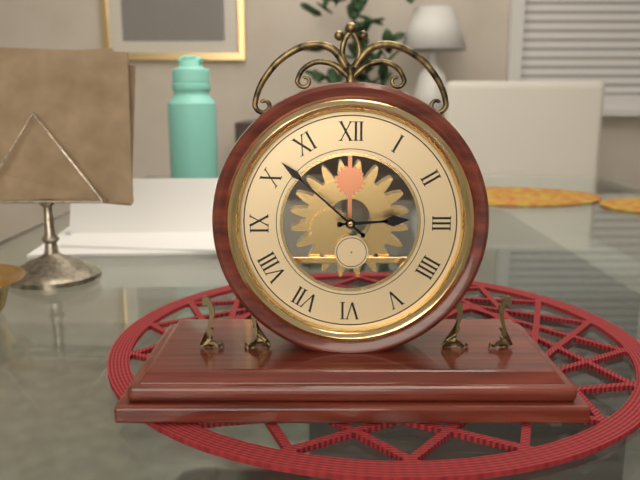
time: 2:52
